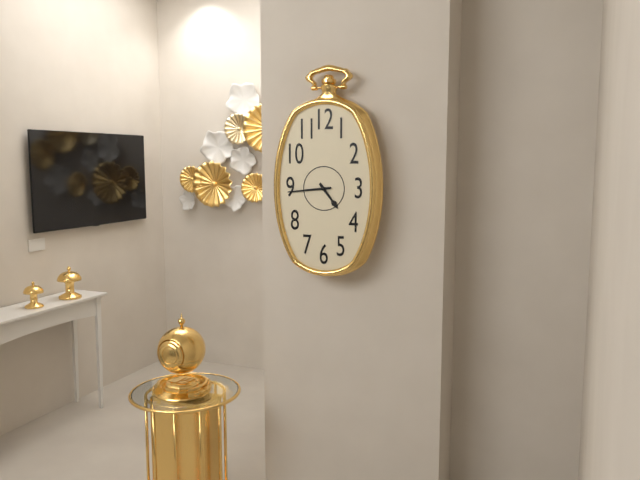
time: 4:44
